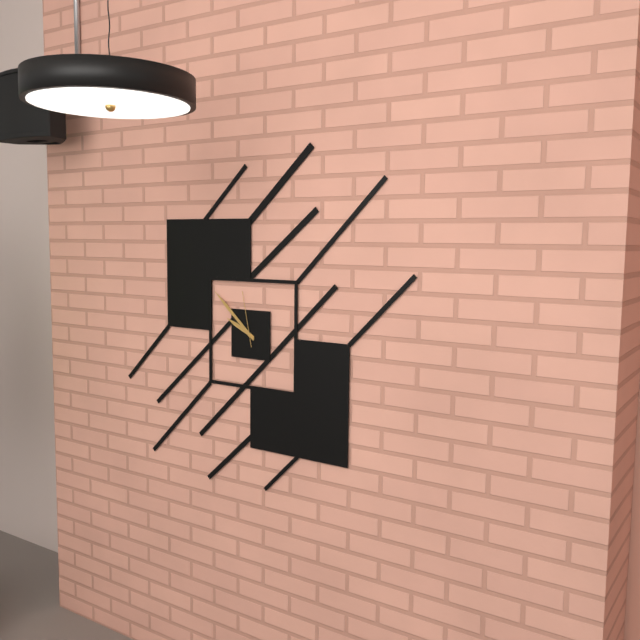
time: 9:52:58
